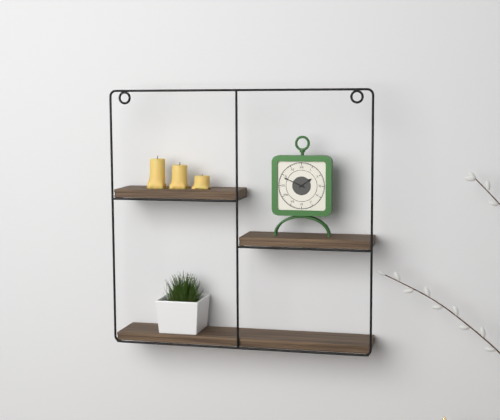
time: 1:49
